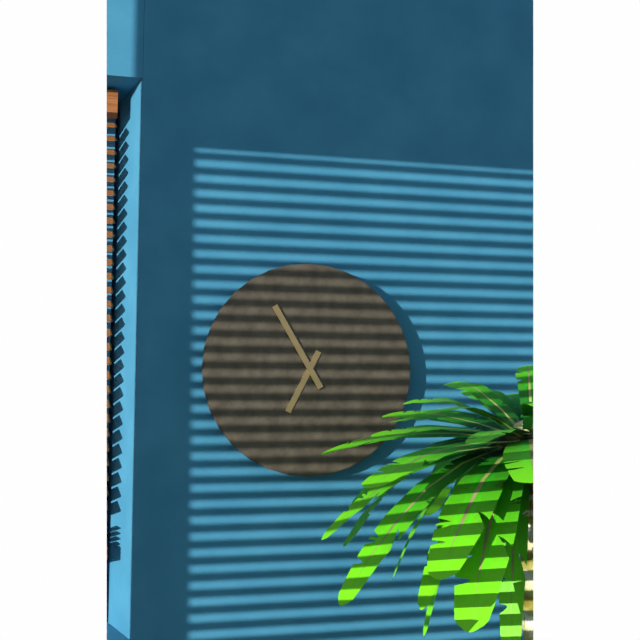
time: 6:55
